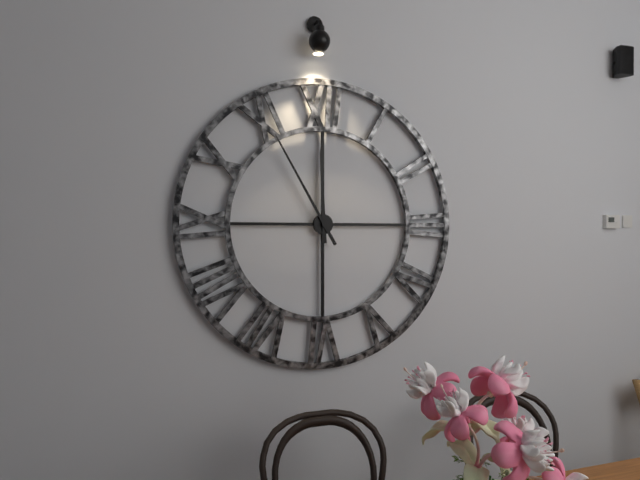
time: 11:55
